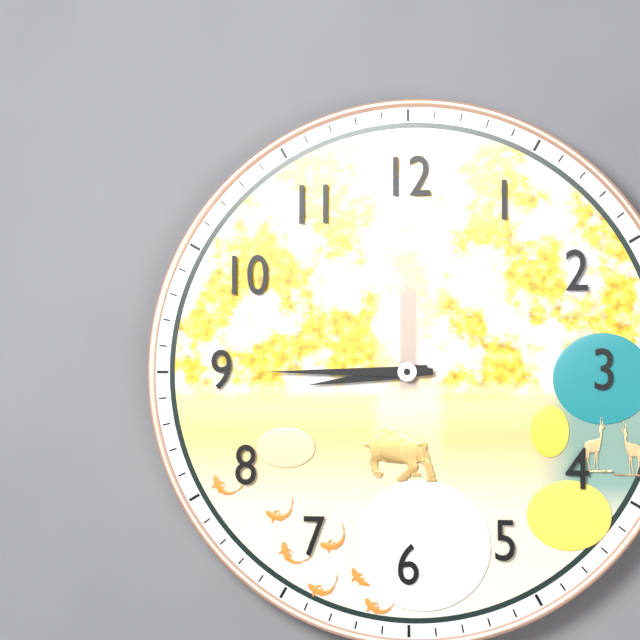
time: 8:45
